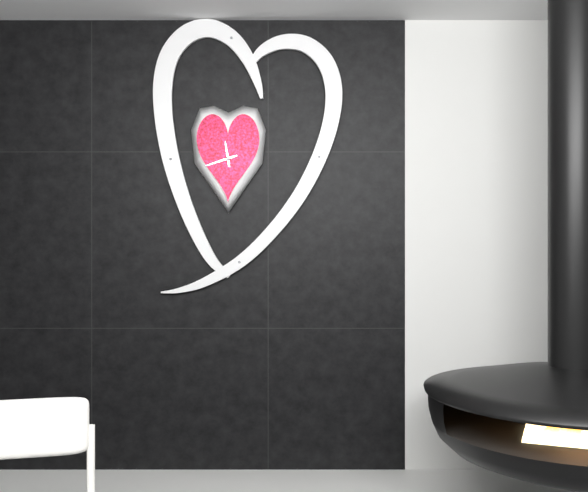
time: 11:42
